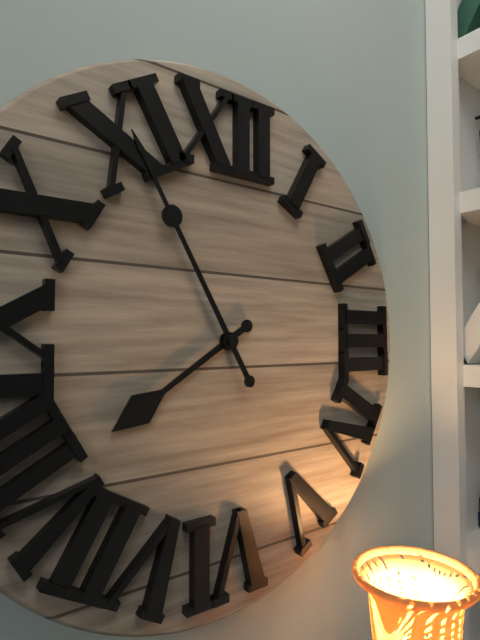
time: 7:55
